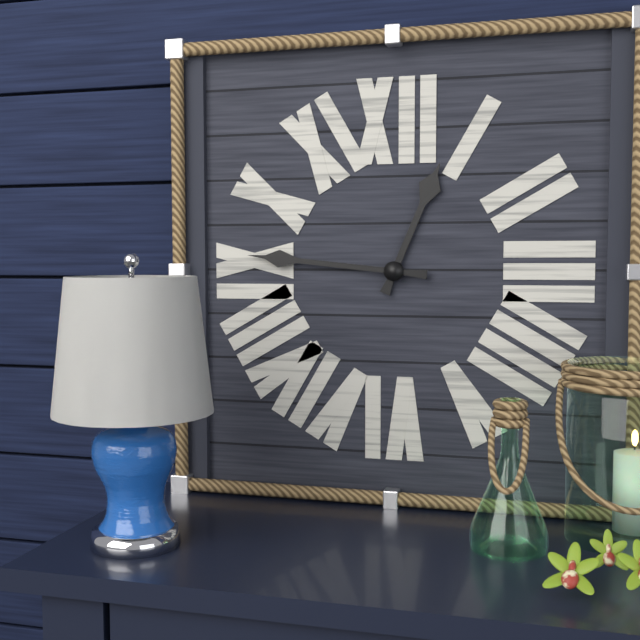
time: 12:46
